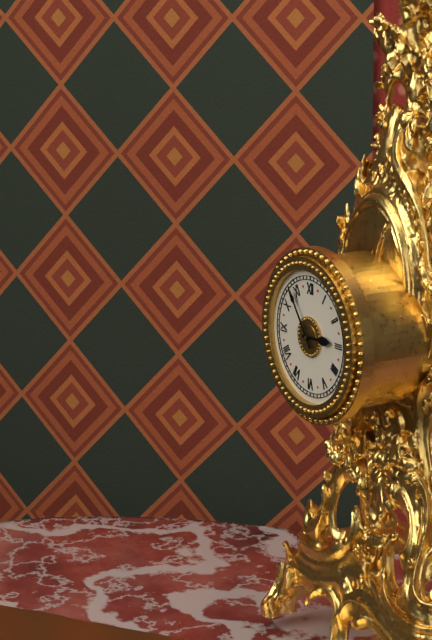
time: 2:54
